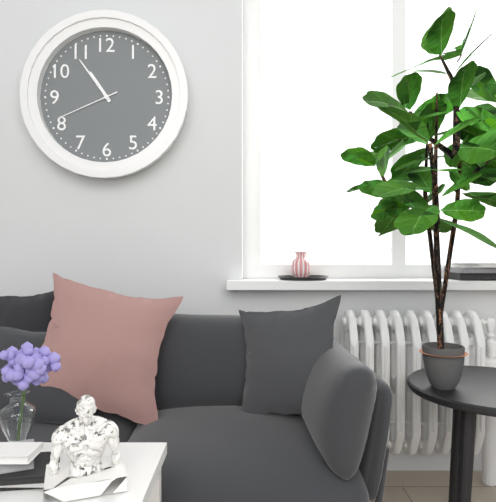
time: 10:54:41
